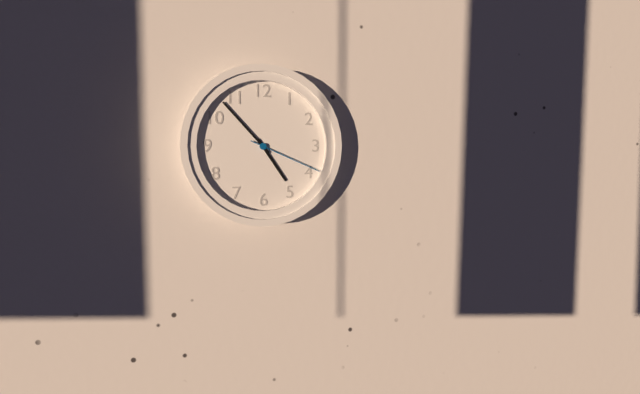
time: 4:53:19
